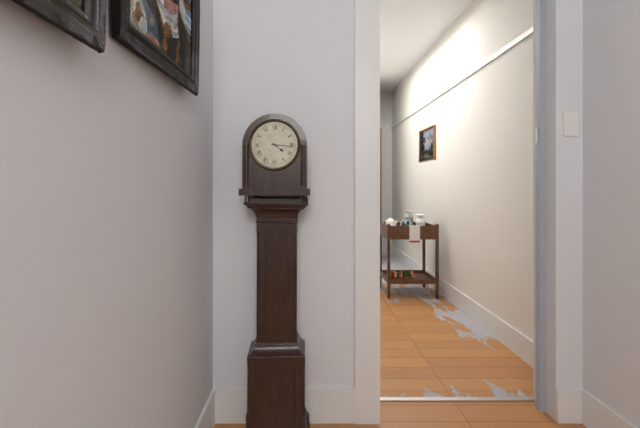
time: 4:16
